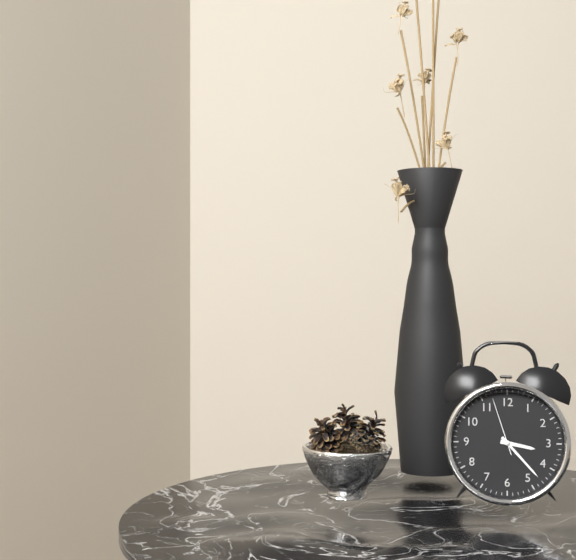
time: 3:23:57
